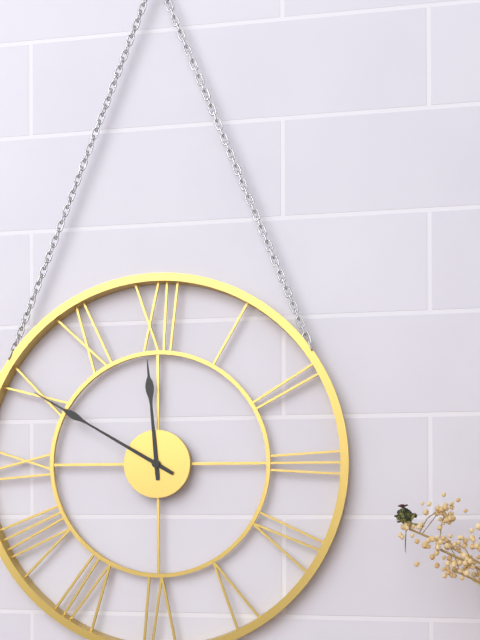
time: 11:50
